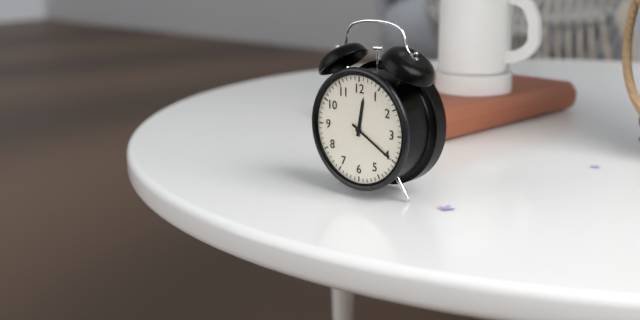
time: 12:20
